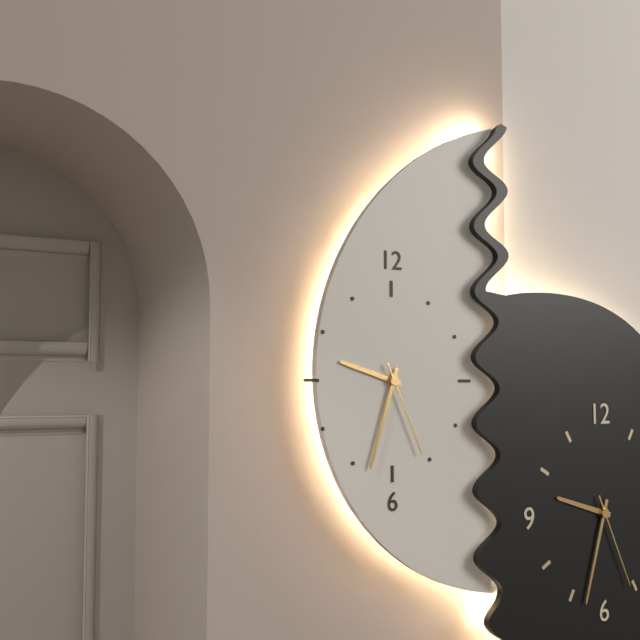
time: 9:33:26
